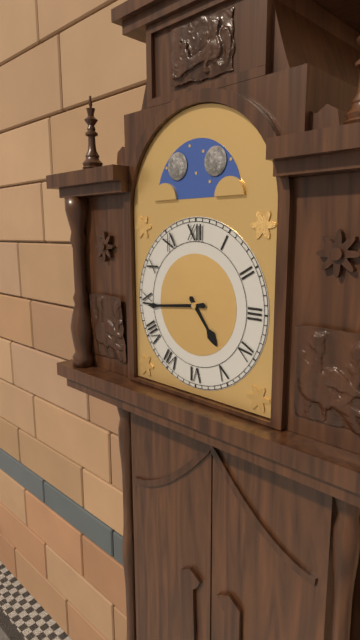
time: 4:44
